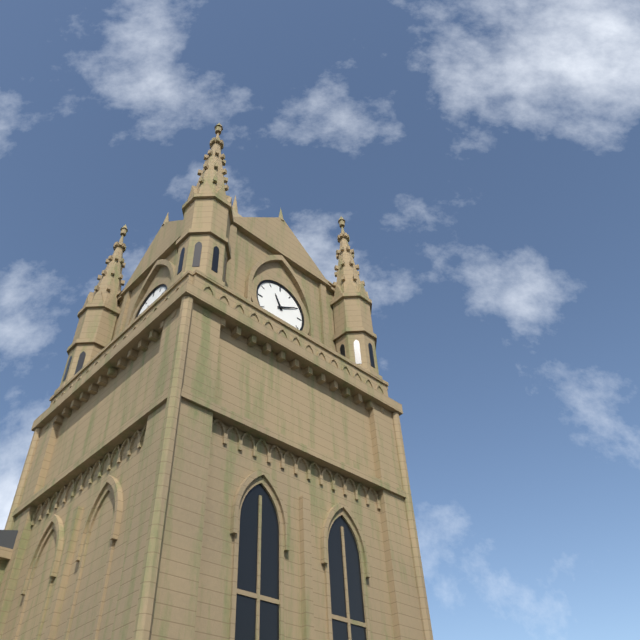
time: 11:10
